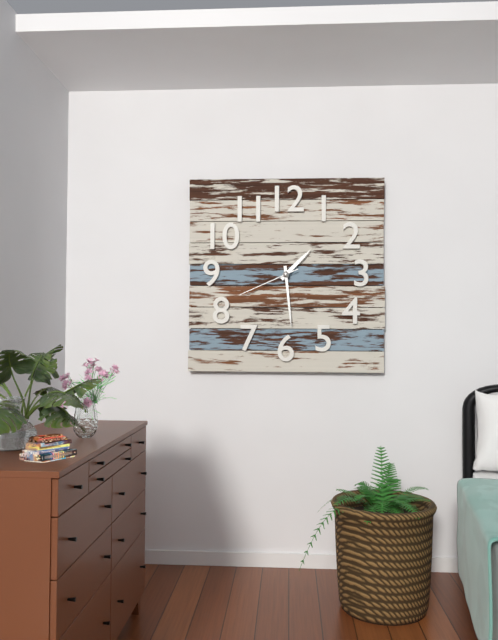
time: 1:29:41
